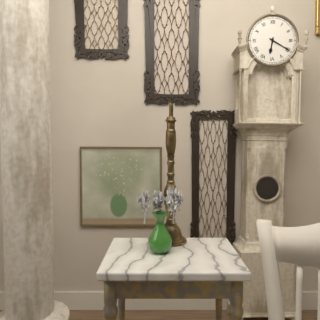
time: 6:20
